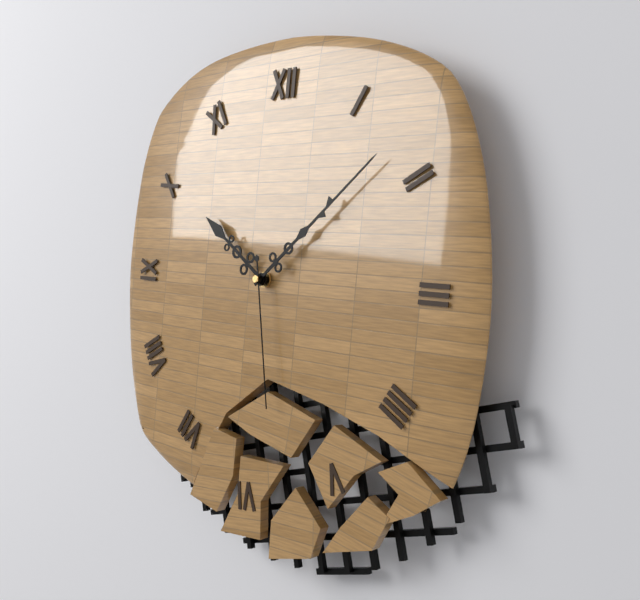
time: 10:08:28
